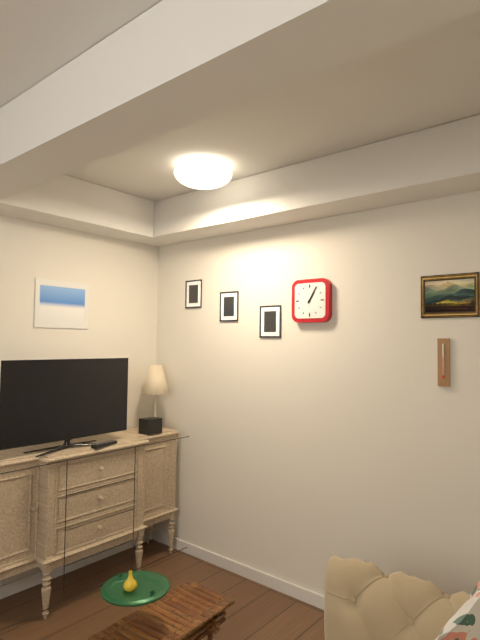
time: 1:05
